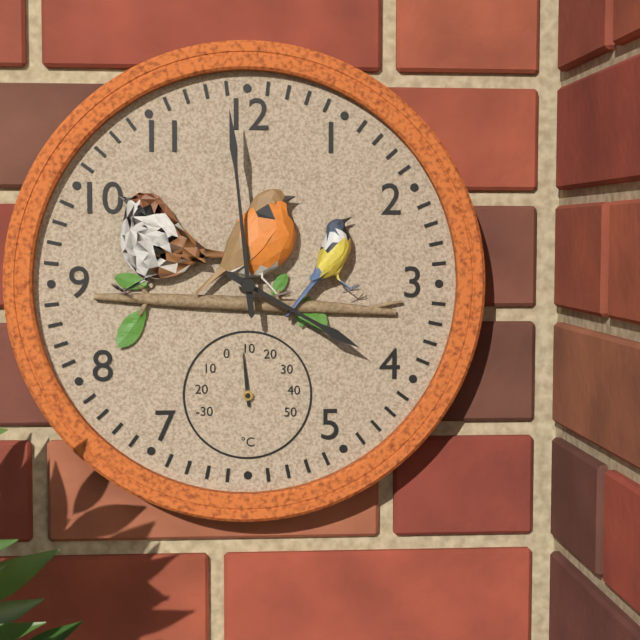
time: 3:59
